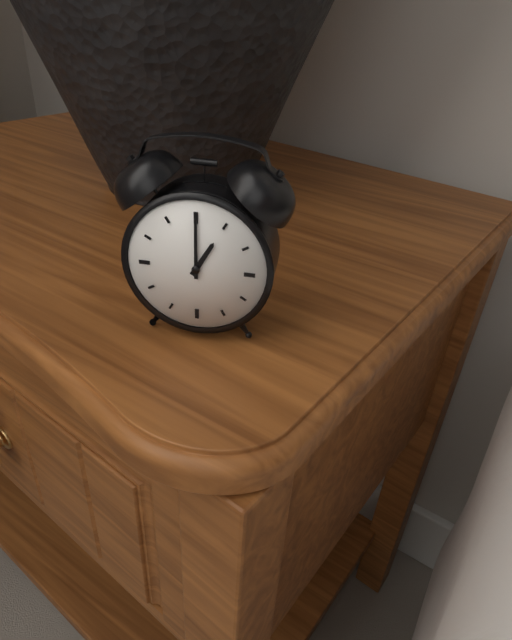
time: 1:00
